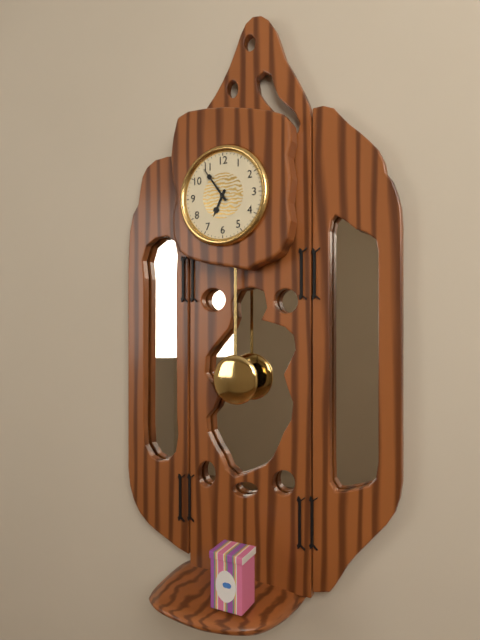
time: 6:54
